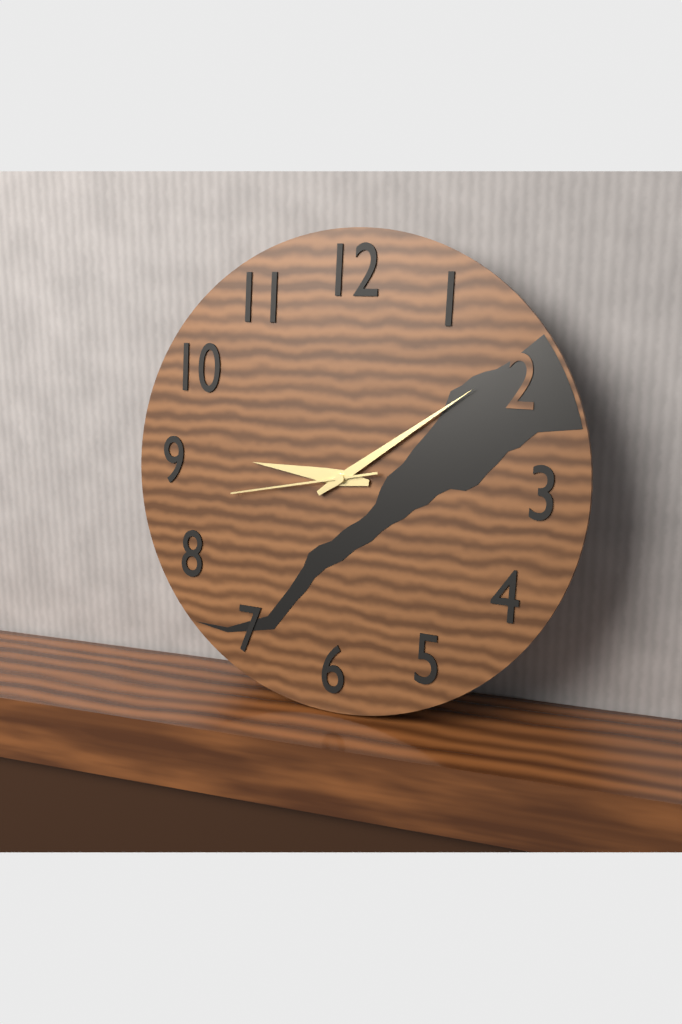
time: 9:09:43
